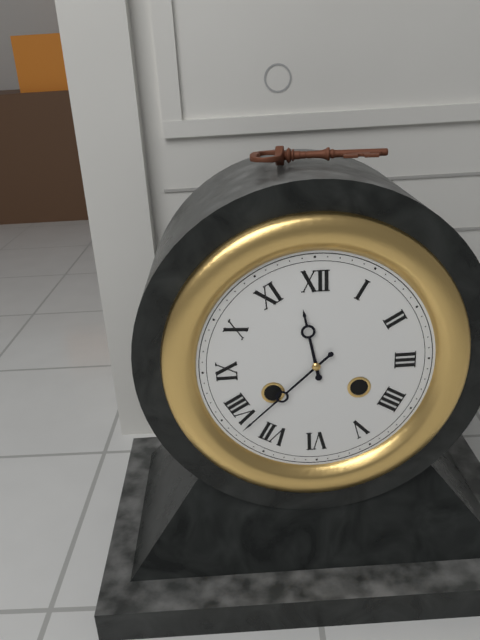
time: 11:38
